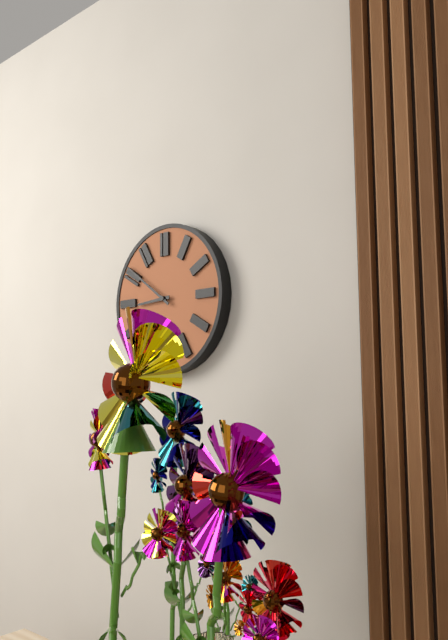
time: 8:51
